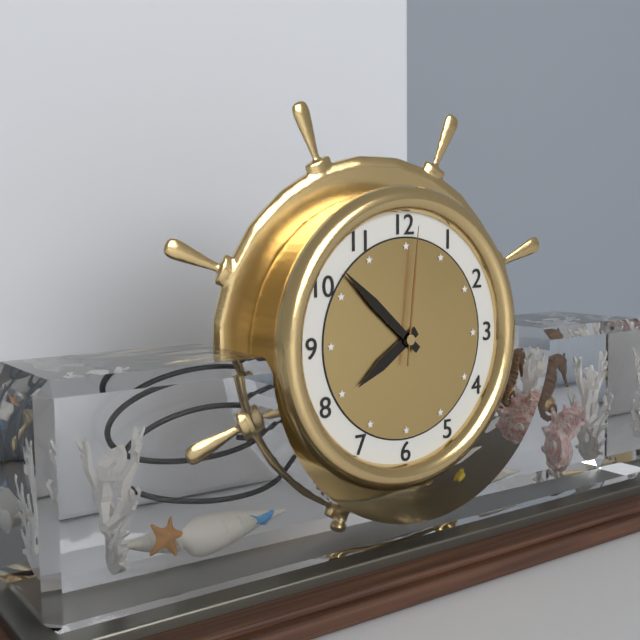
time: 7:52:01
